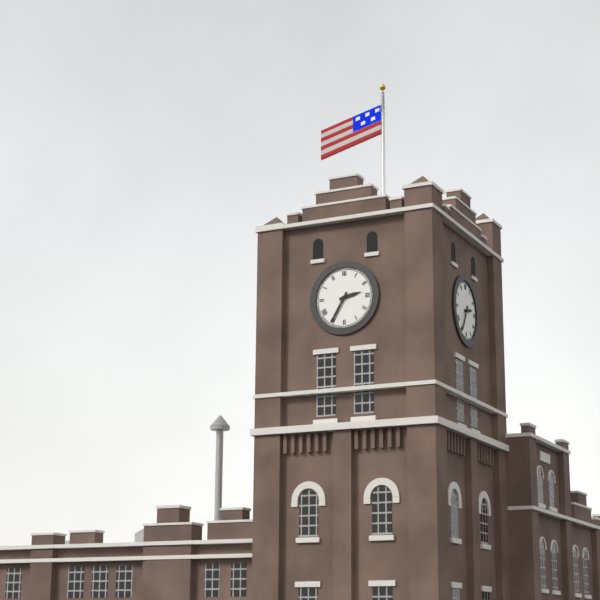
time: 2:35
